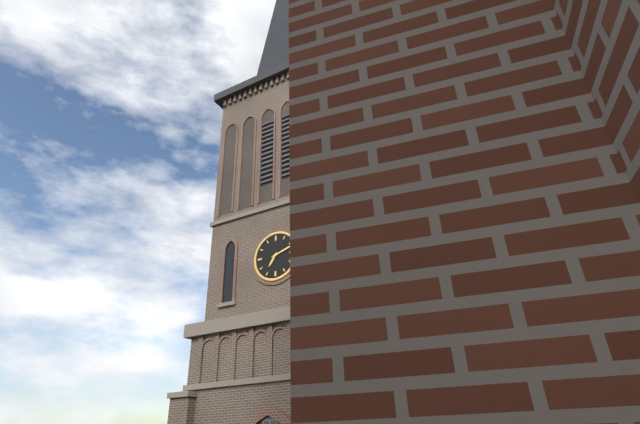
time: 7:12
